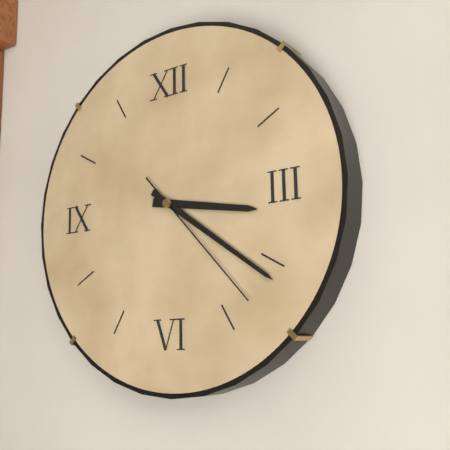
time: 3:21:23
